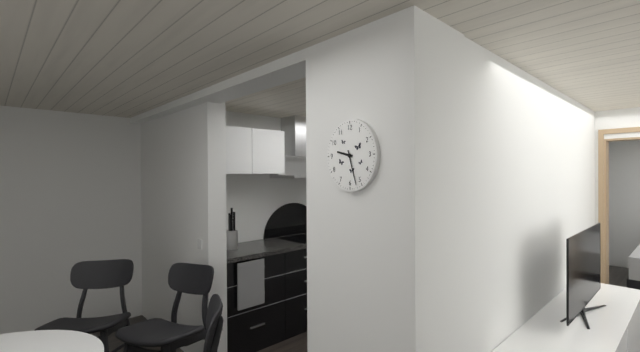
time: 9:27
